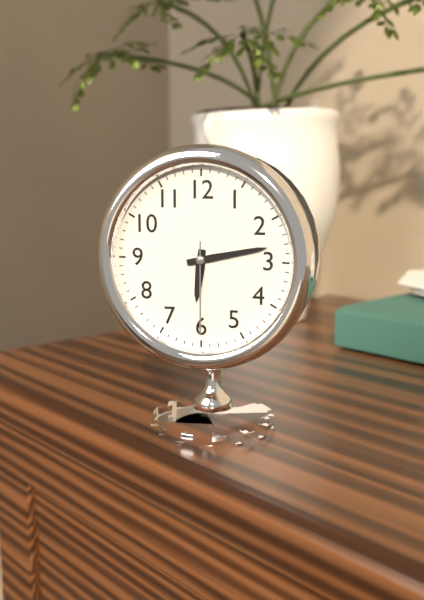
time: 6:13:30
